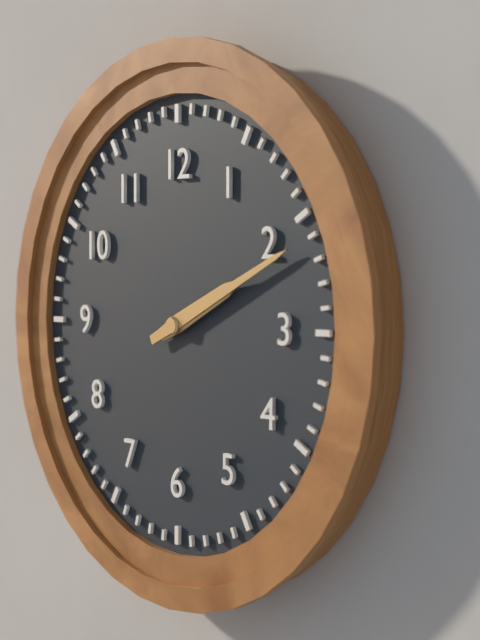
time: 2:11
